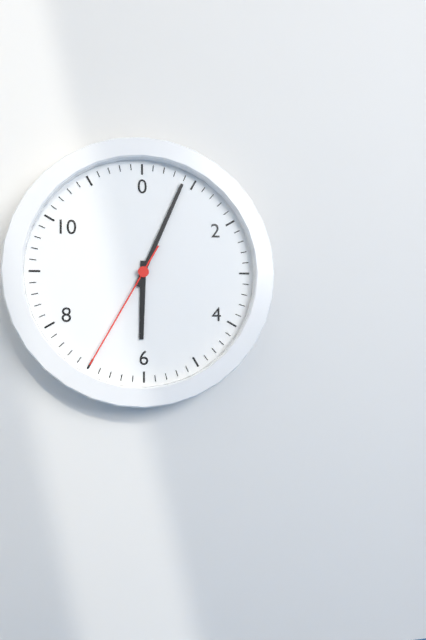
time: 6:04:35
